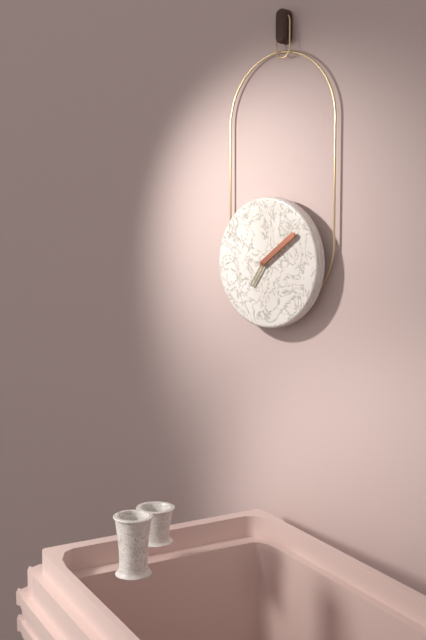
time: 7:09
